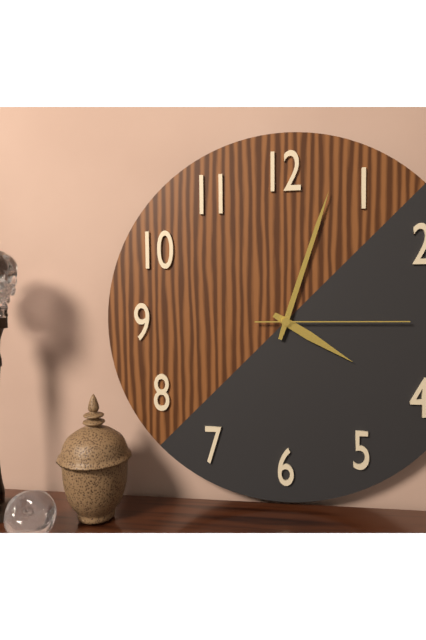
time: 4:03:15
